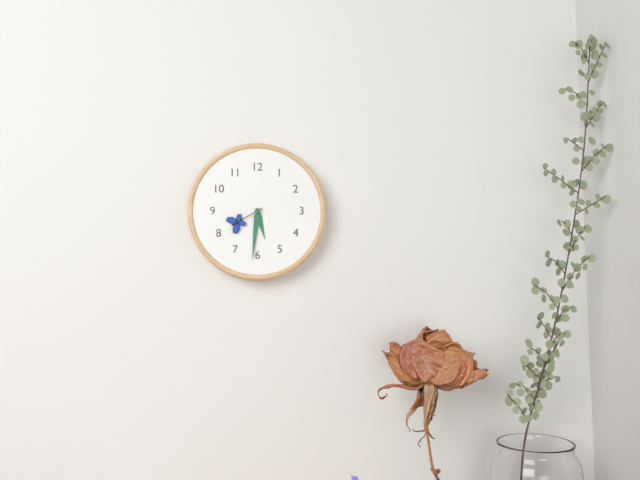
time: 5:31
